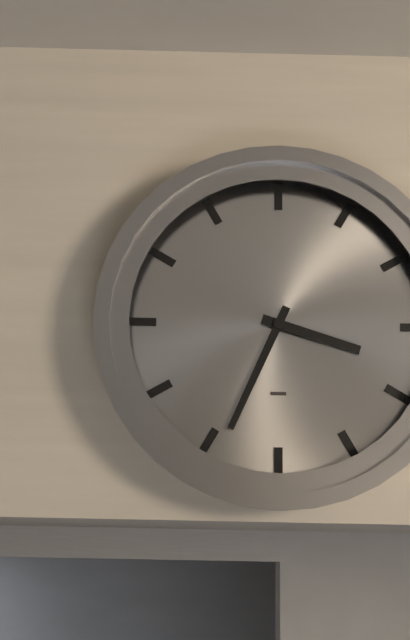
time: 3:34
